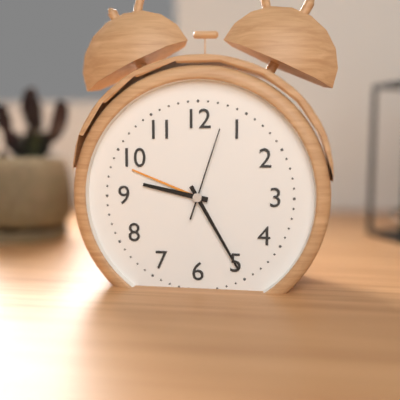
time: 9:25:03
